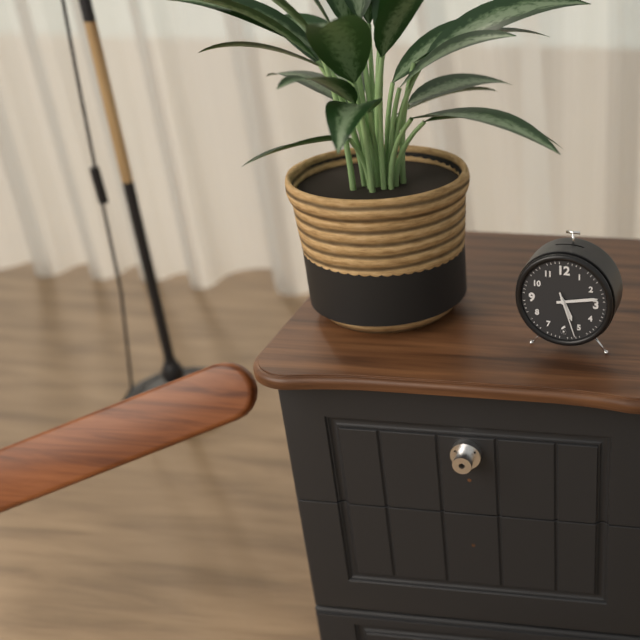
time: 5:13
